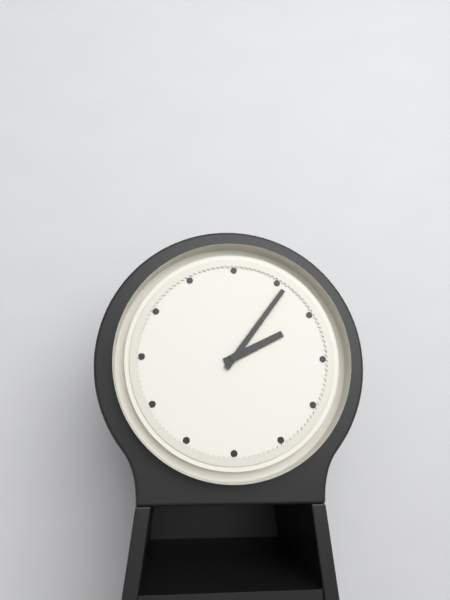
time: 2:06
